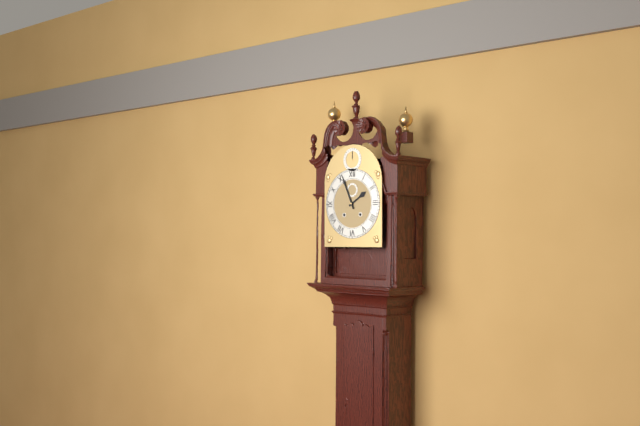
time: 1:56
